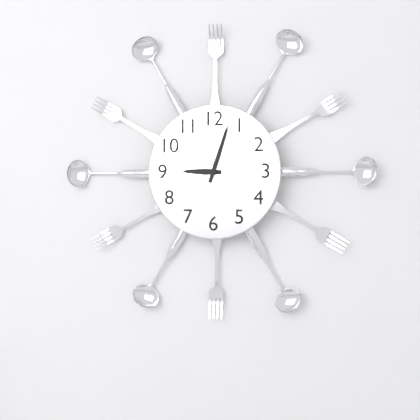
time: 9:03
